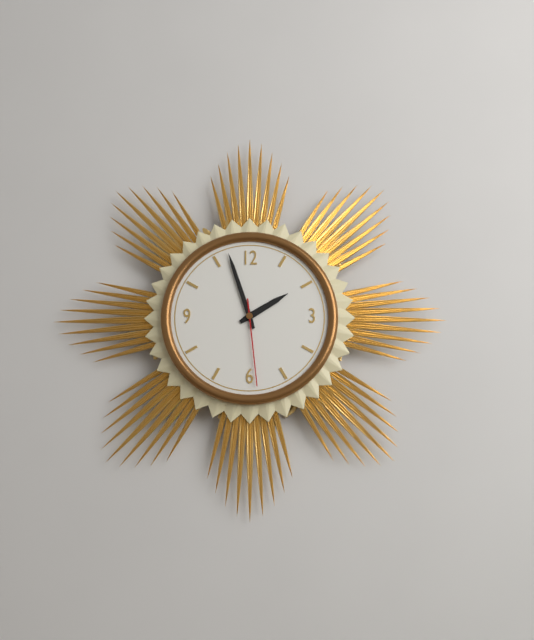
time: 1:57:29
